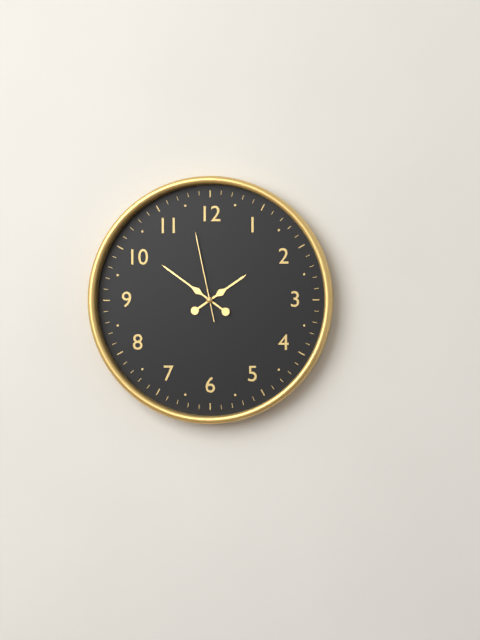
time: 1:51:58
